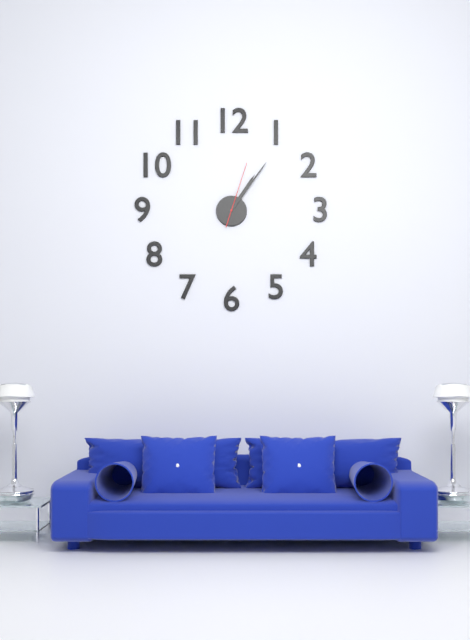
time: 1:06:03
